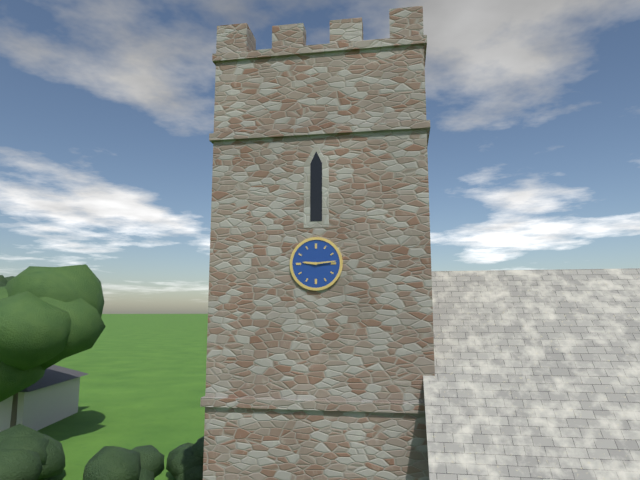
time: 9:14
